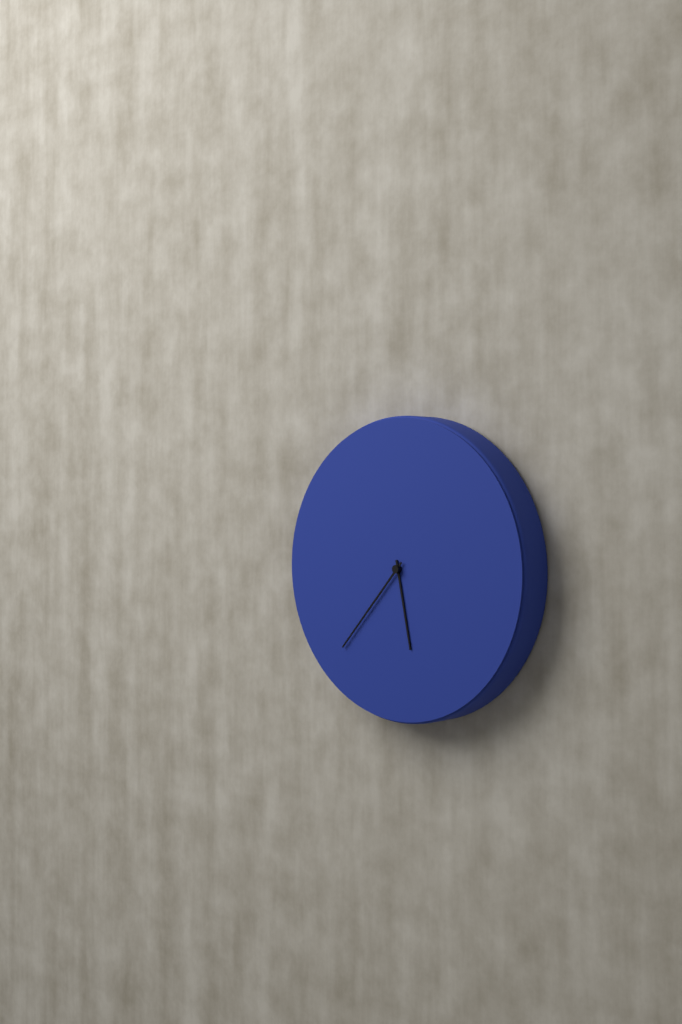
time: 5:37
